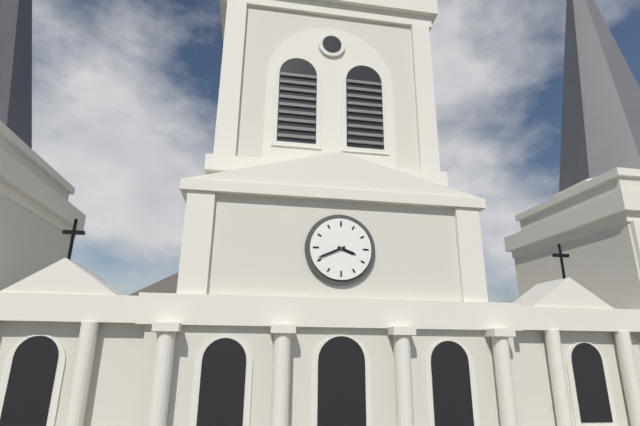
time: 3:41
